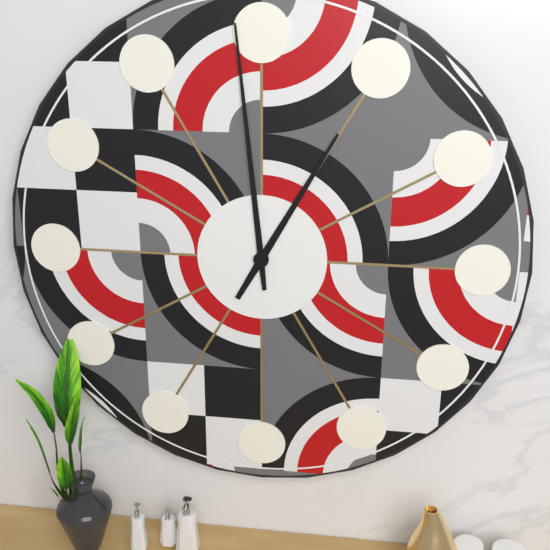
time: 12:59
